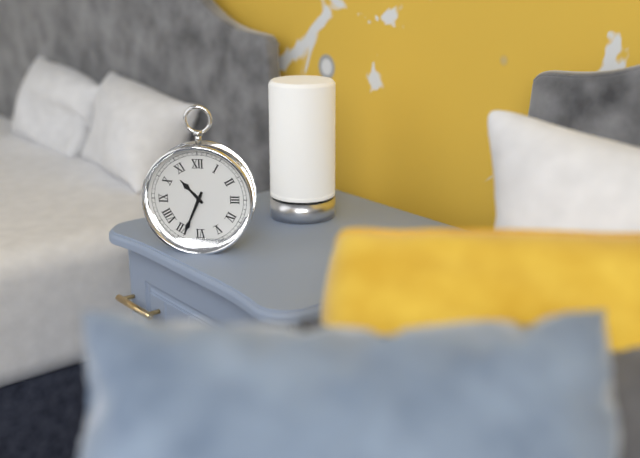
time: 10:34
